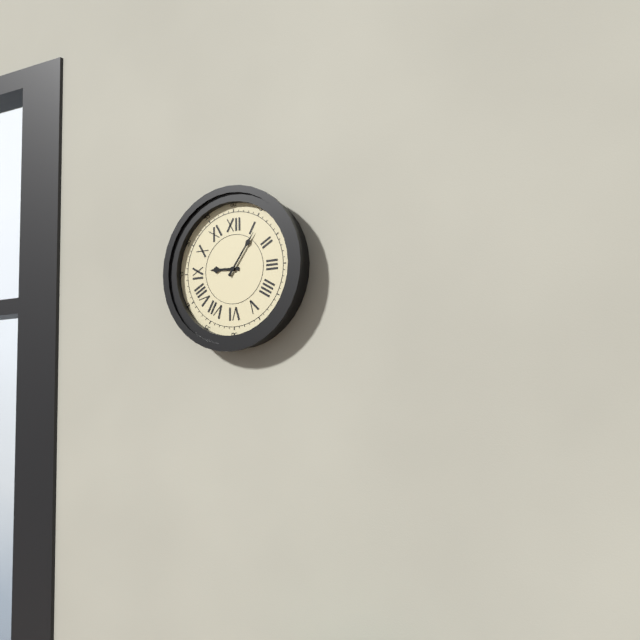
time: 9:06
